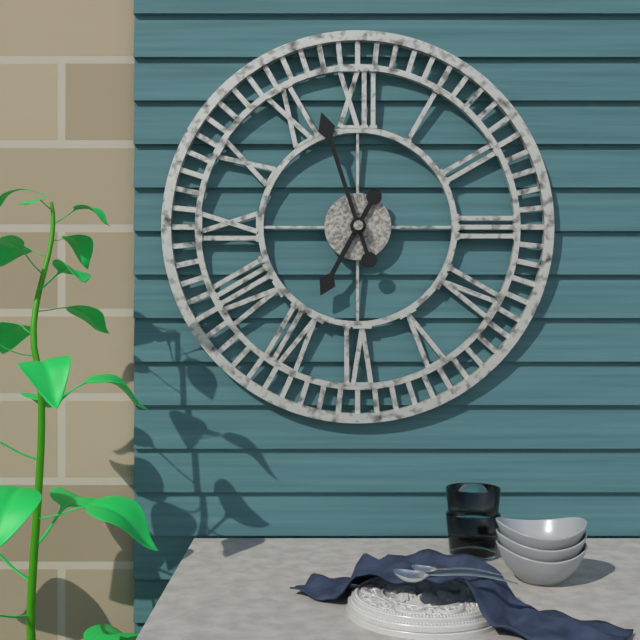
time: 6:57
